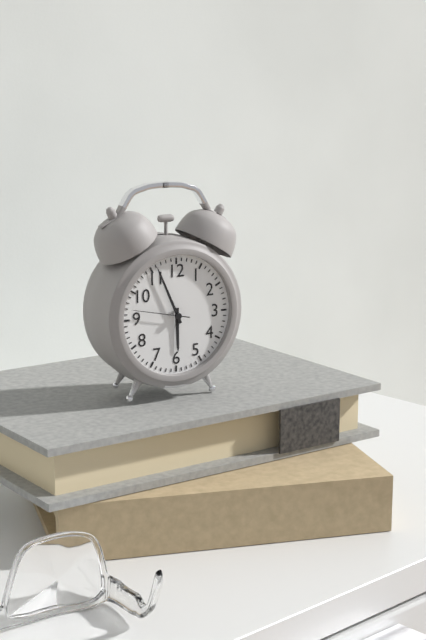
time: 5:56:47
